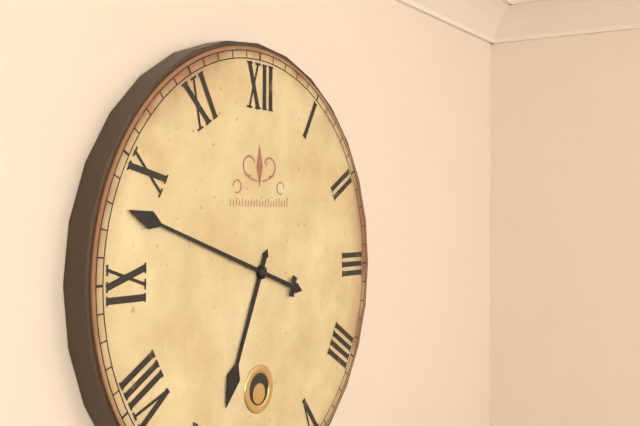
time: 6:48
